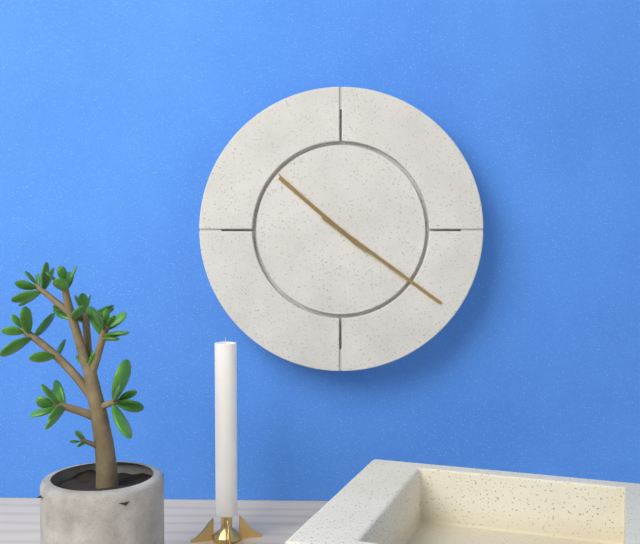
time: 10:21:52
